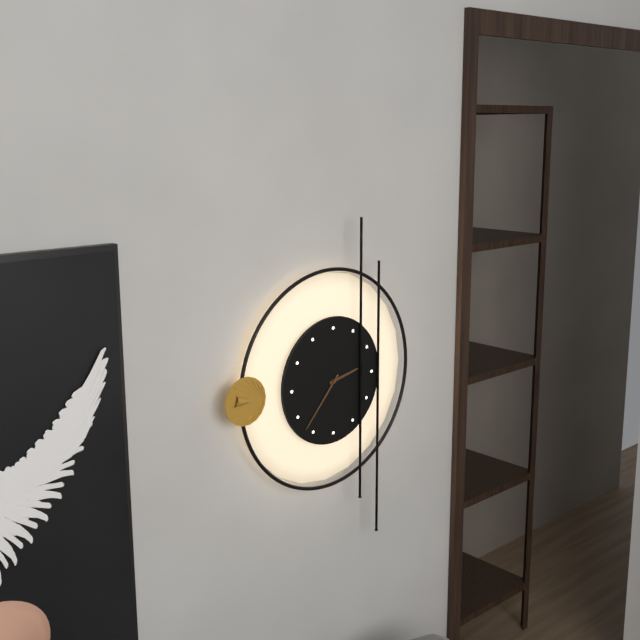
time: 2:37
